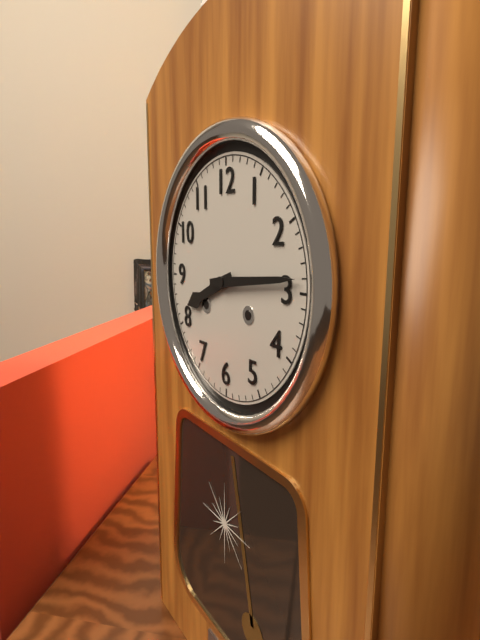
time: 8:14
